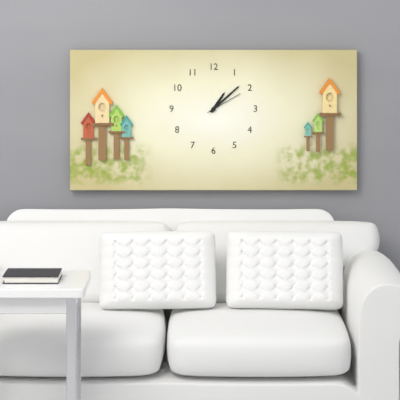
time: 1:08
